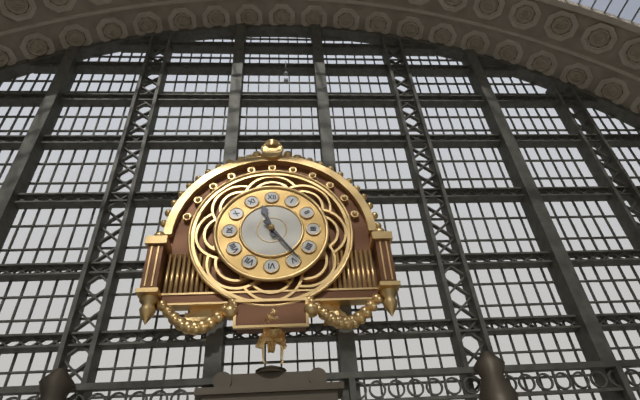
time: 11:24
